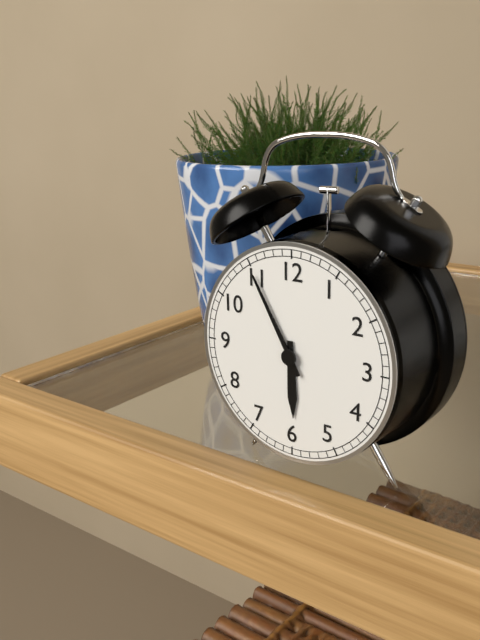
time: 5:55
